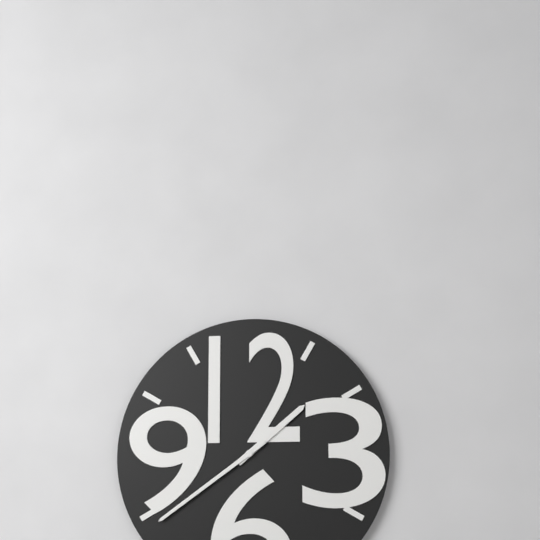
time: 1:39
